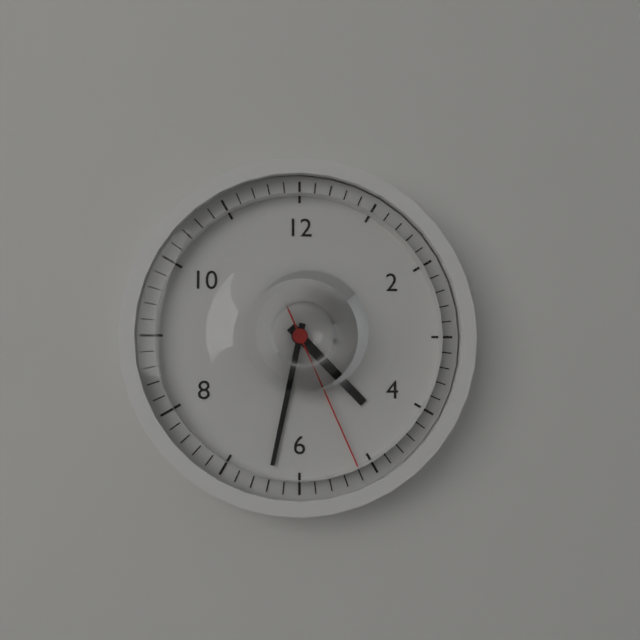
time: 4:32:26
